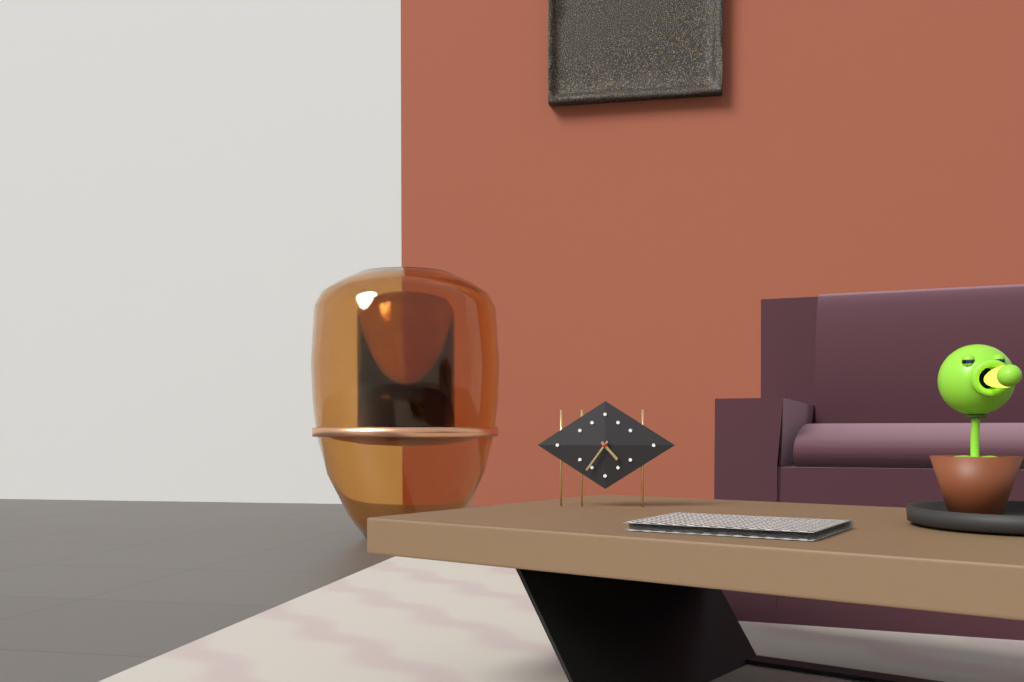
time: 4:36
